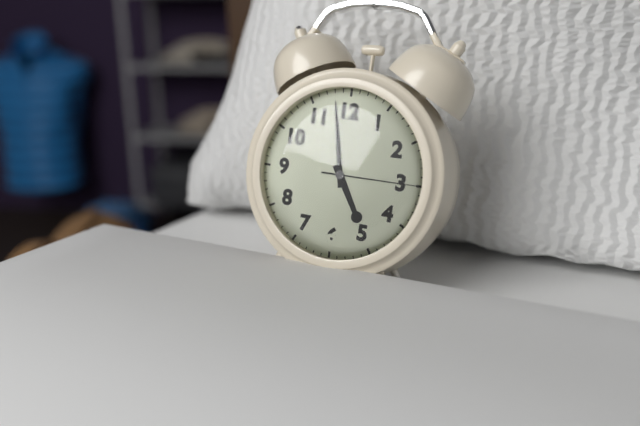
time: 4:58:15
